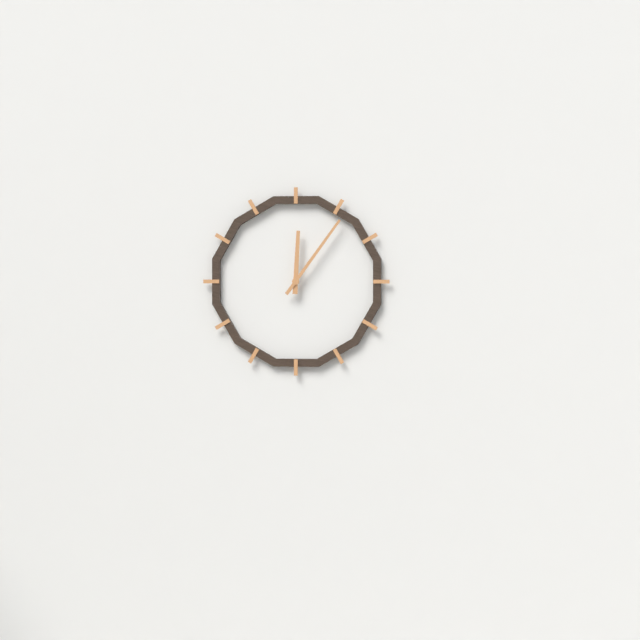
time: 12:06
